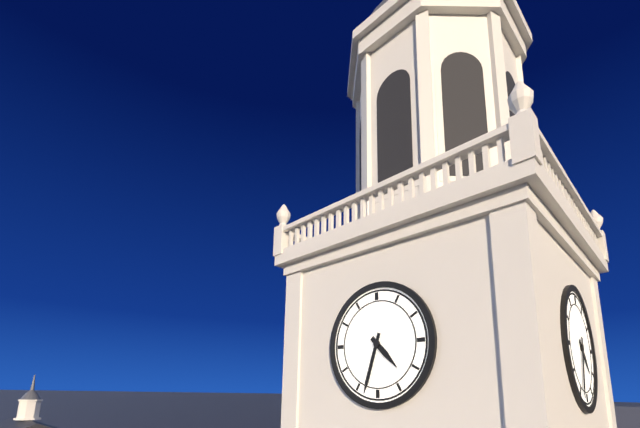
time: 4:33
